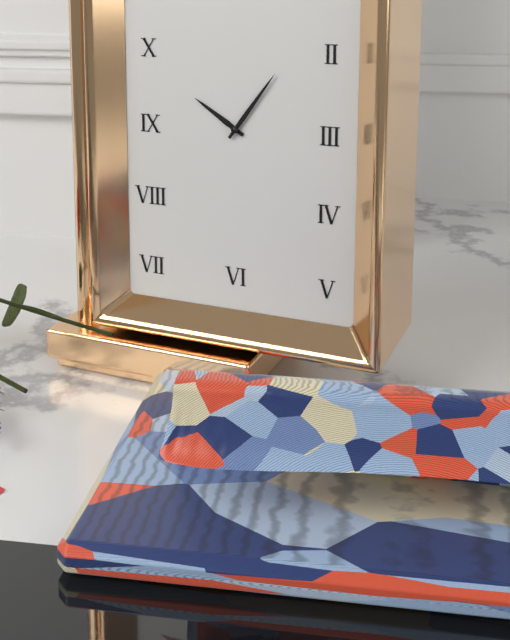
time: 10:06
